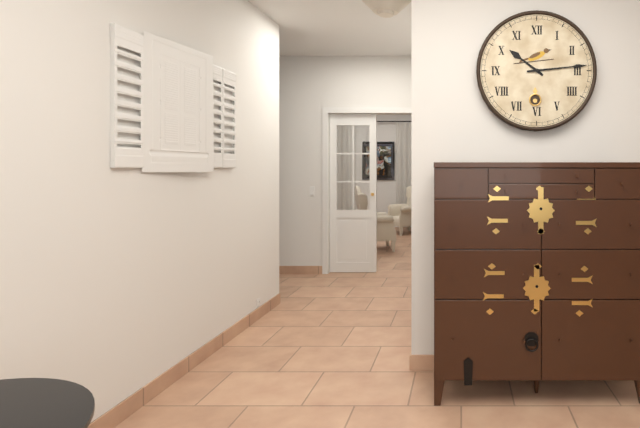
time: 10:14
